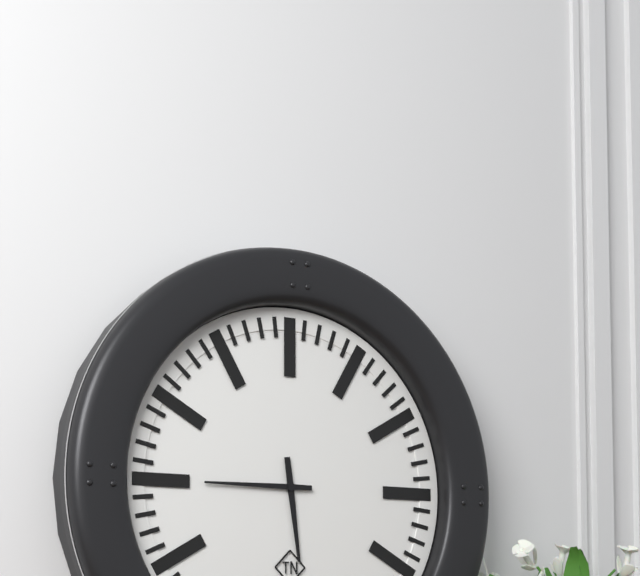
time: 5:45
